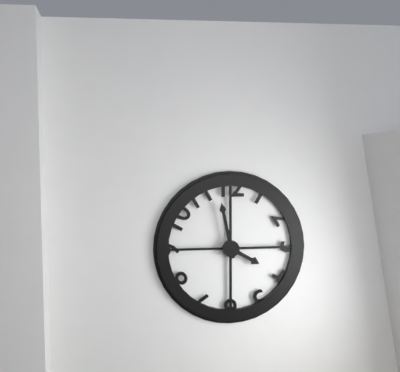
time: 3:58
